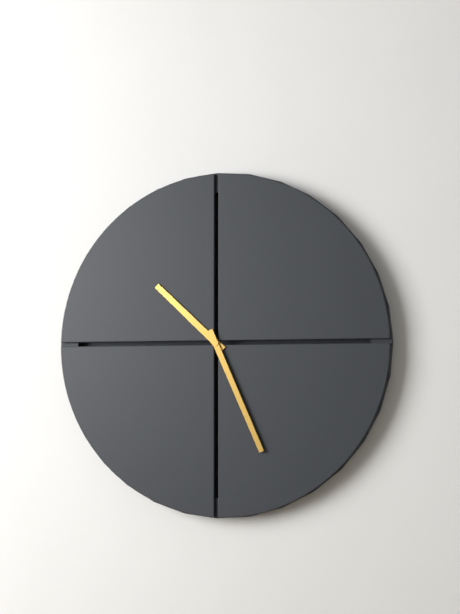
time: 10:26
